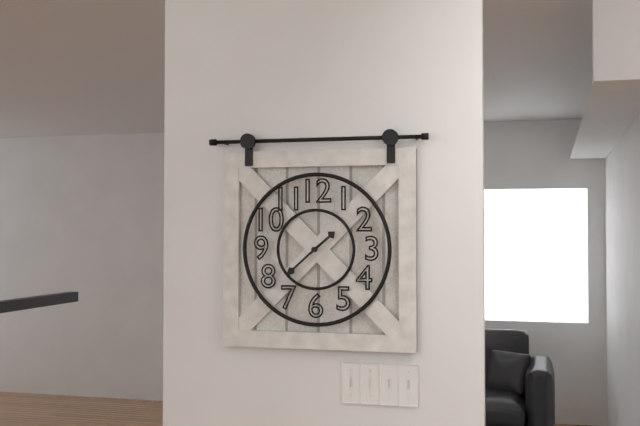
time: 1:38
